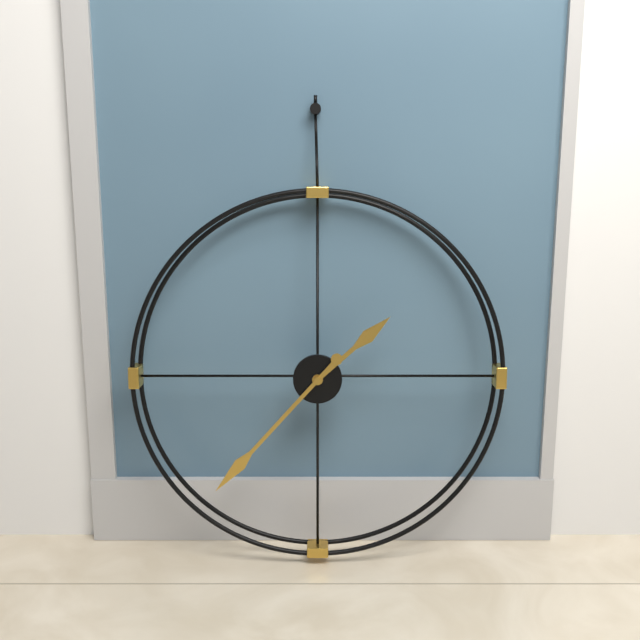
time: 1:37
